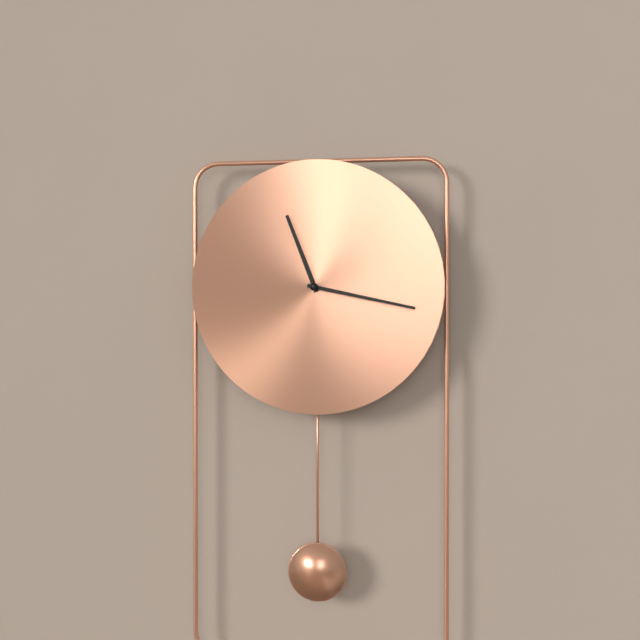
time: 11:17
